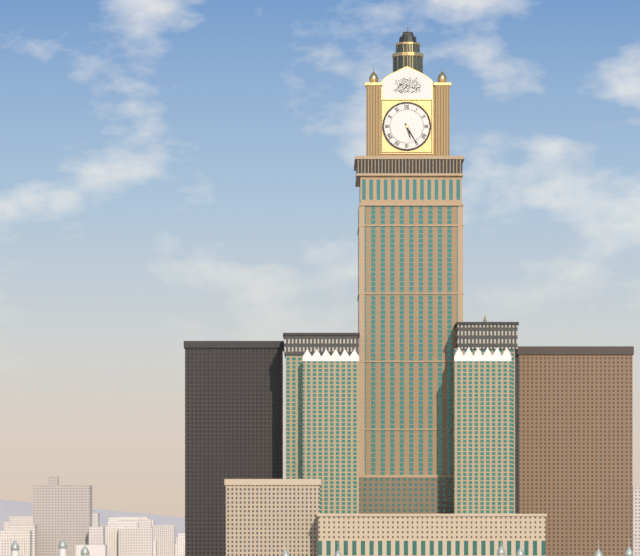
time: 5:25
